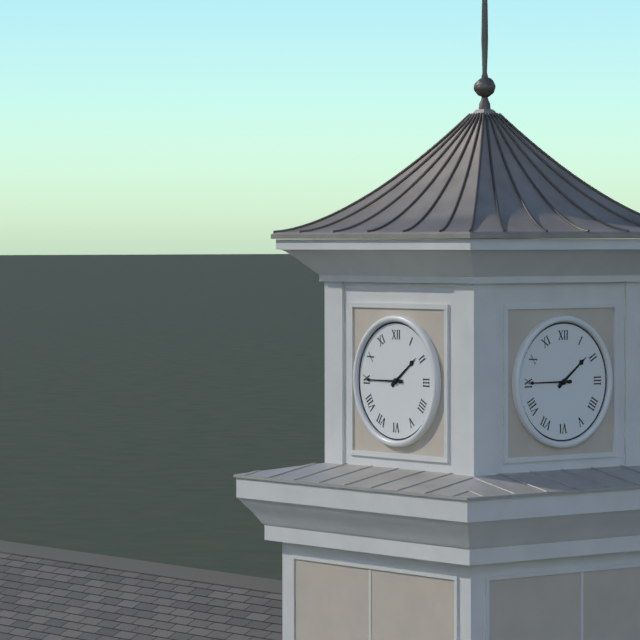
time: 1:45
